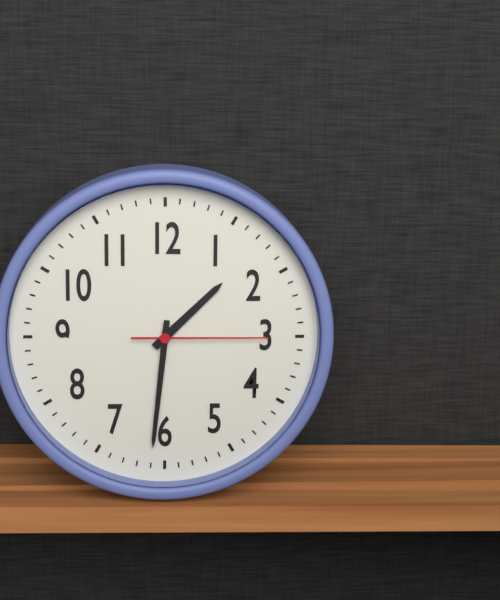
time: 1:31:15
